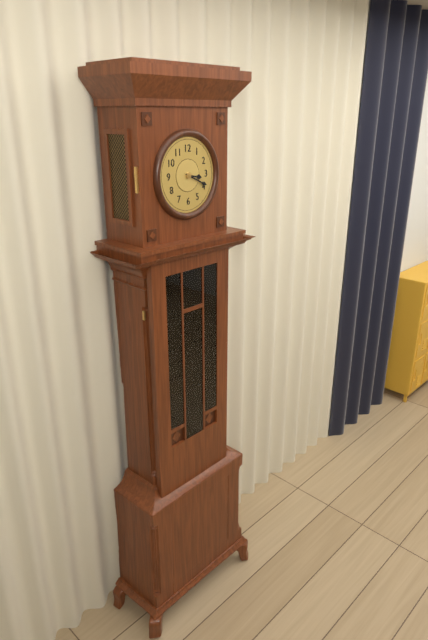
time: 3:19
